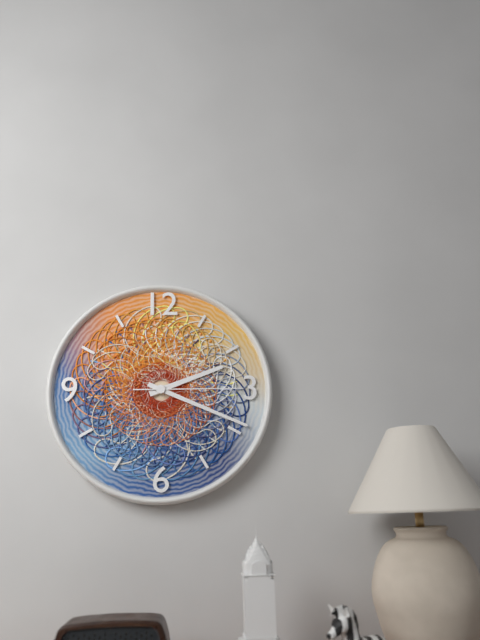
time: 2:19:15
